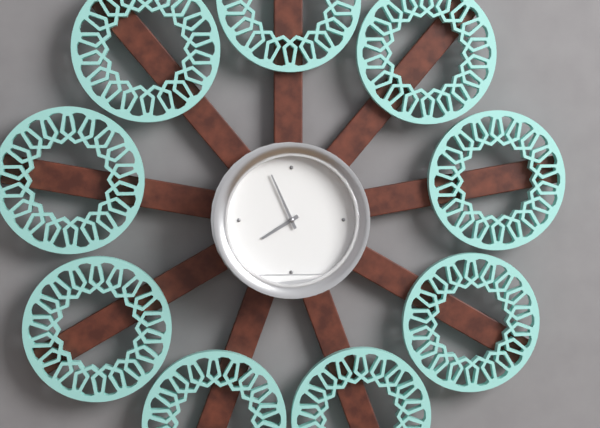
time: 7:56
